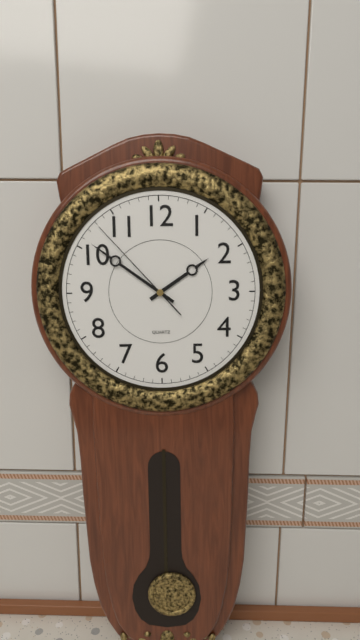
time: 1:51:53
